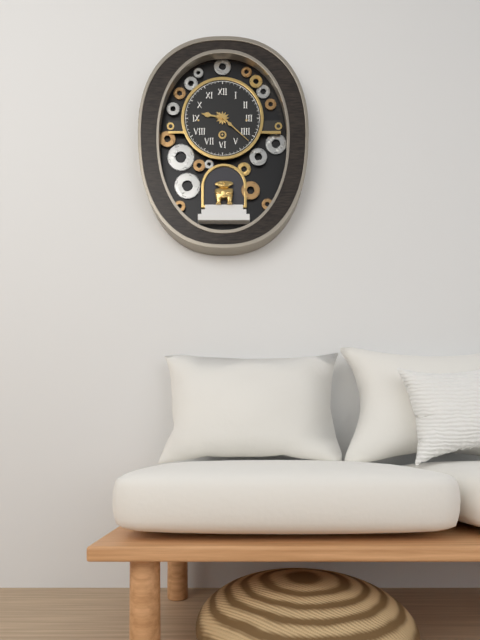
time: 9:22
